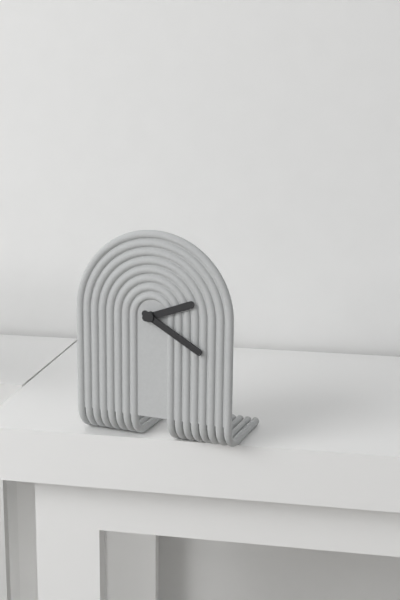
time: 2:20
